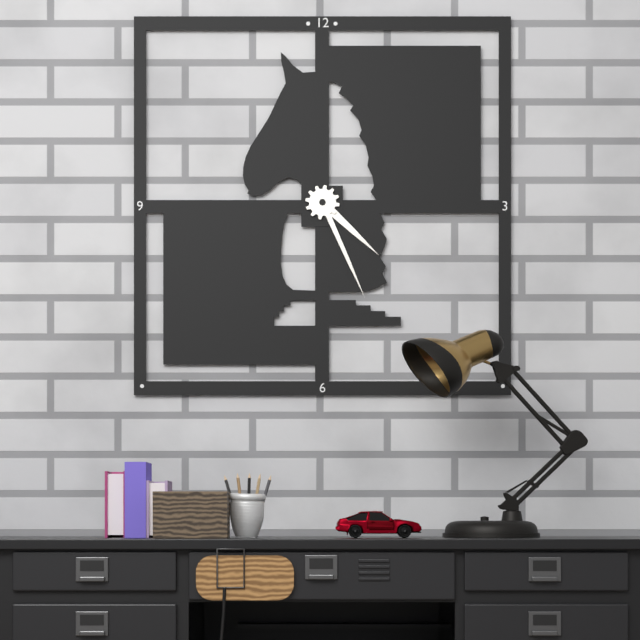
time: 4:26
